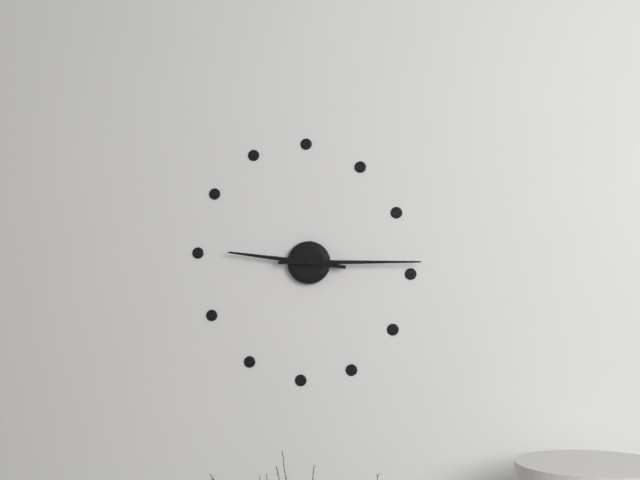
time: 9:15
